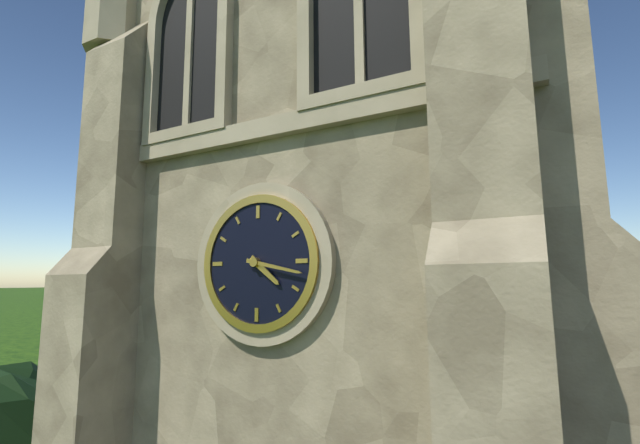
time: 4:17
